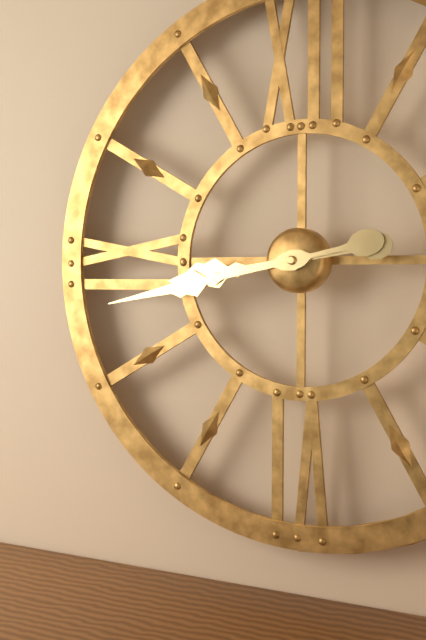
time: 8:43
